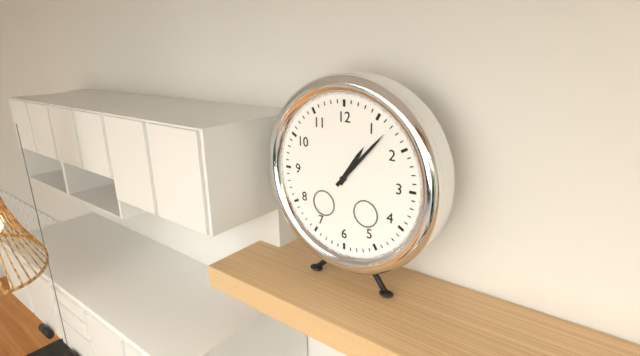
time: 1:07
